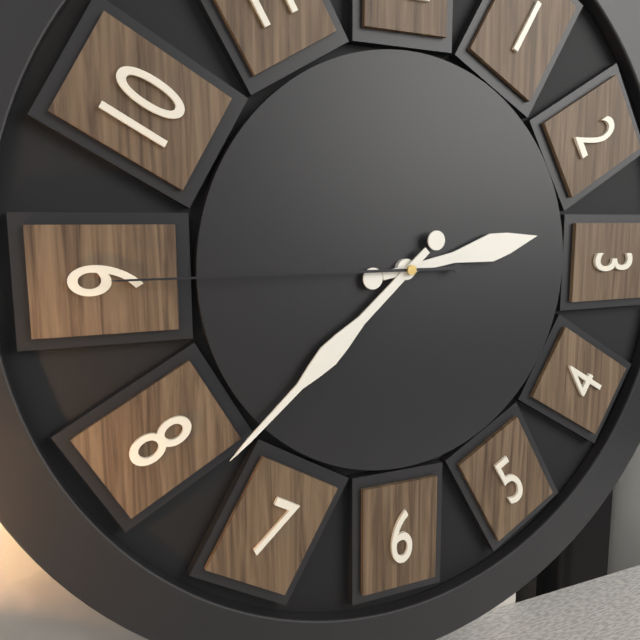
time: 2:38:45
